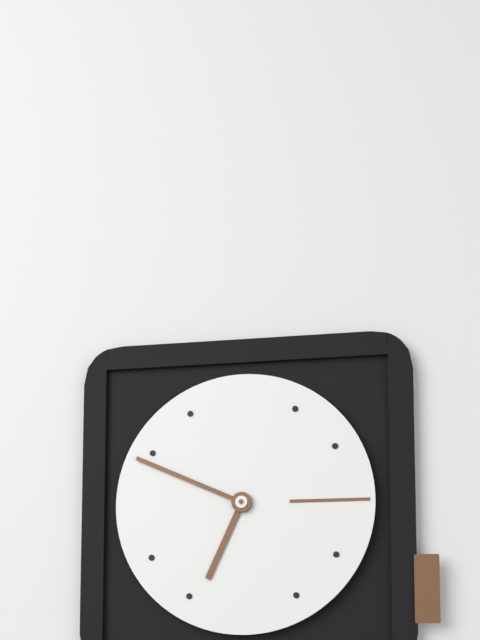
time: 6:49
